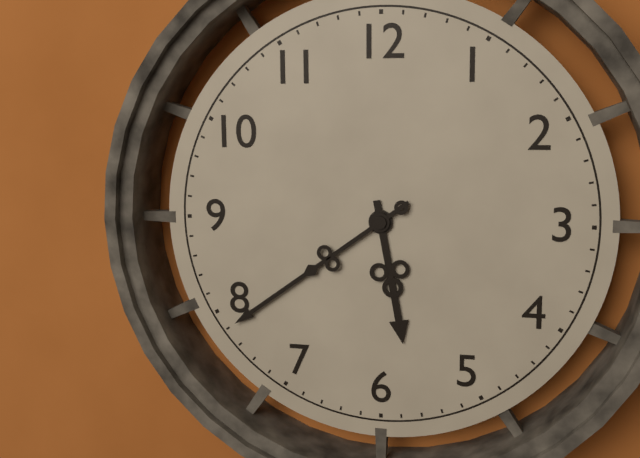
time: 5:39
